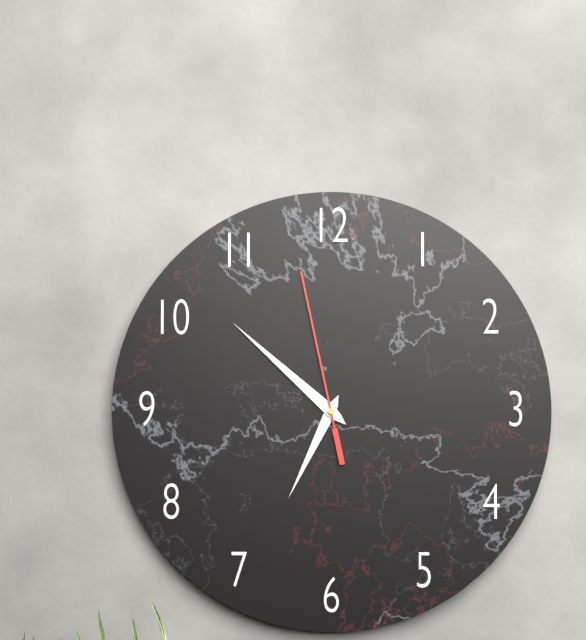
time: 6:52:58
